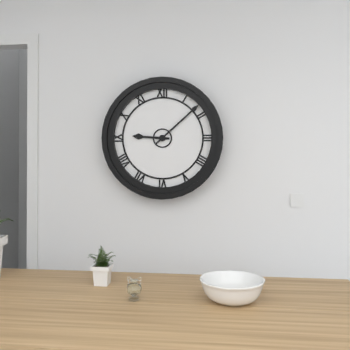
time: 9:08
